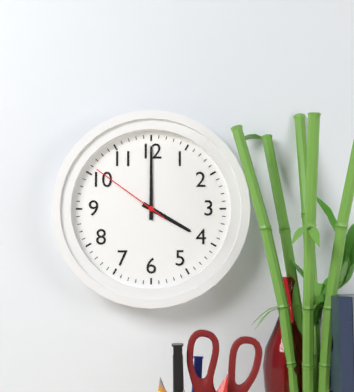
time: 4:00:51
